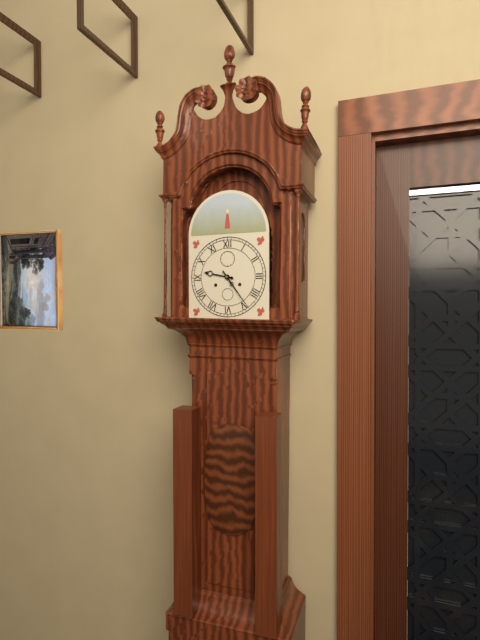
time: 9:24
